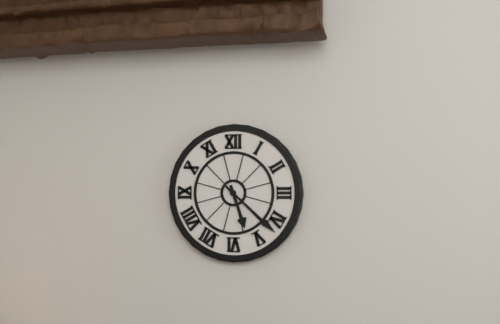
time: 5:22
